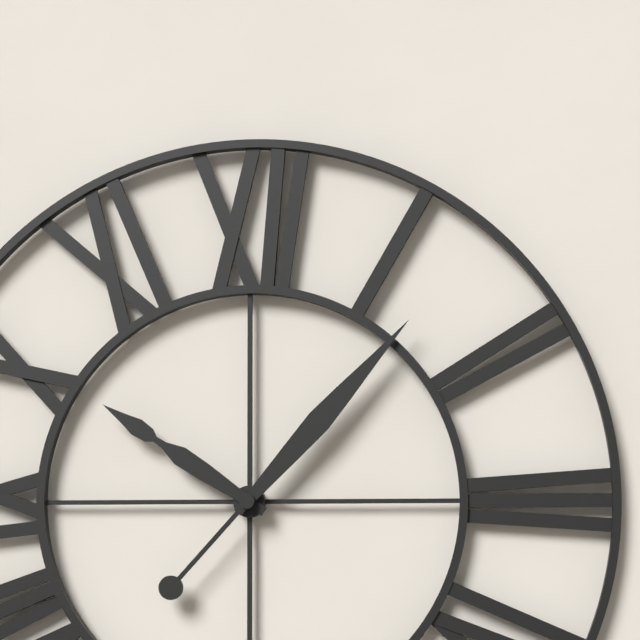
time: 10:07
